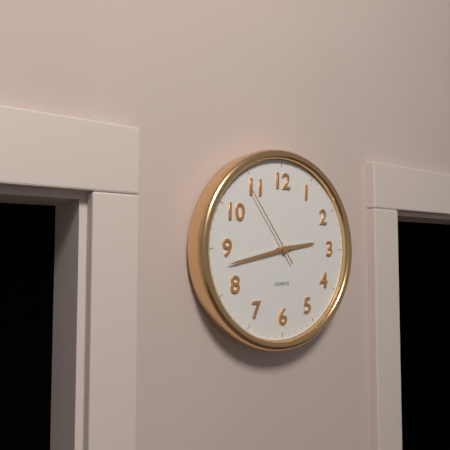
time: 2:43:54
